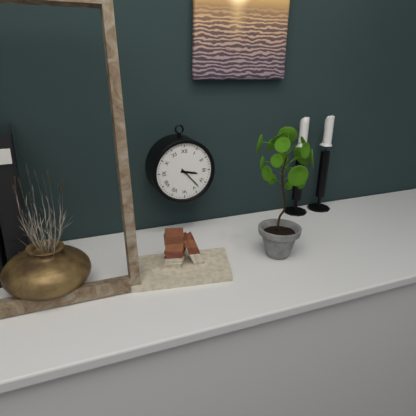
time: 3:23
